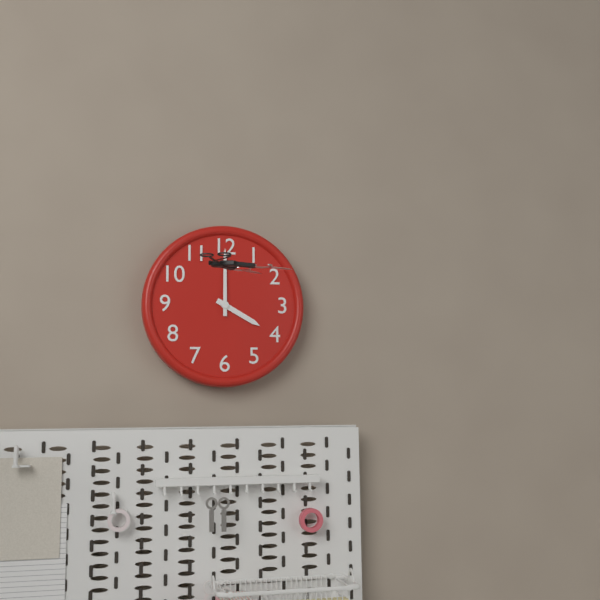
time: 4:00
